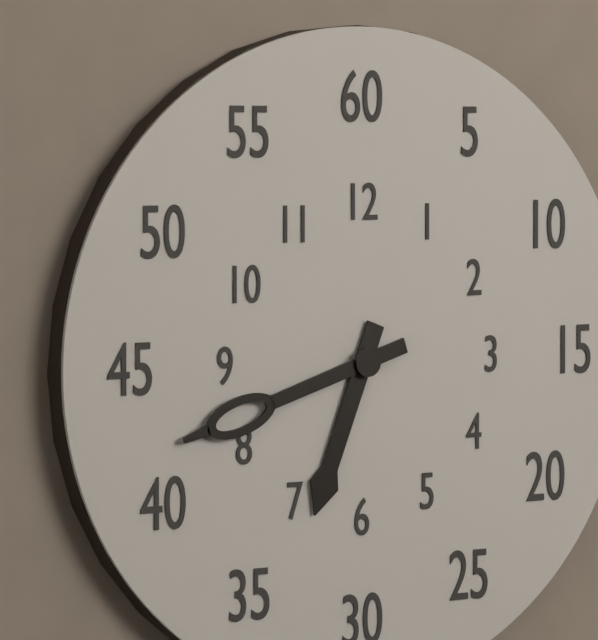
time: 6:42
